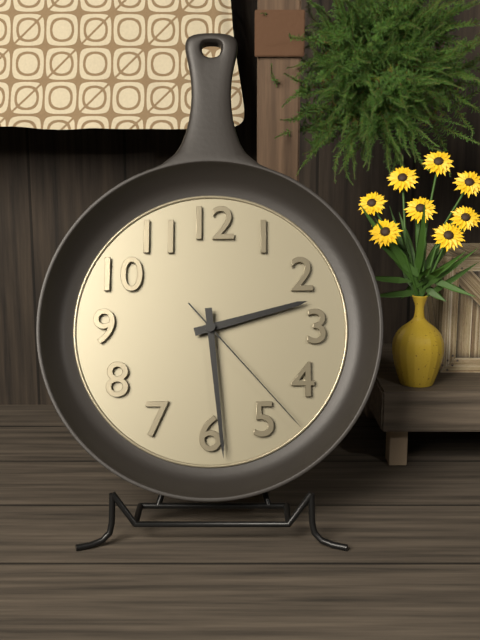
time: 2:29:23
